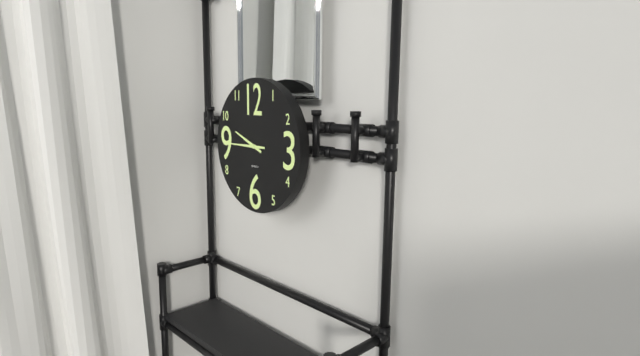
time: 9:45
